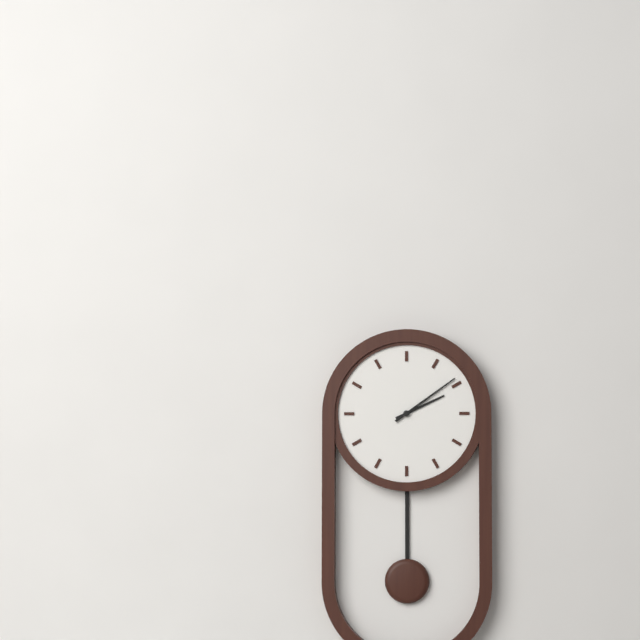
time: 2:09
